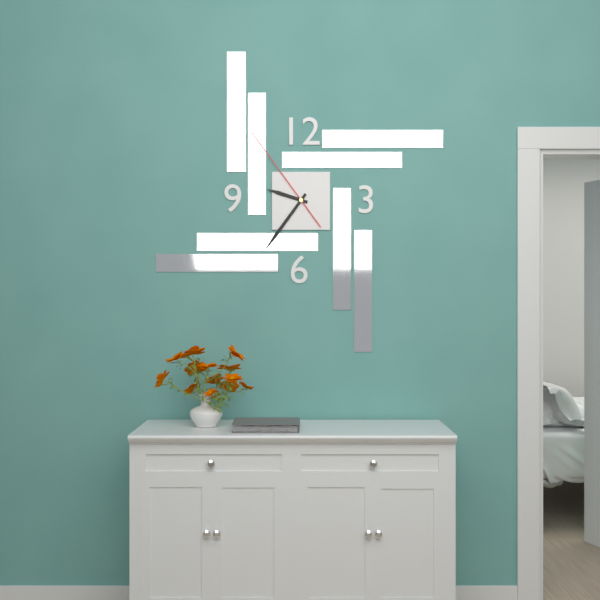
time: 9:36:54
